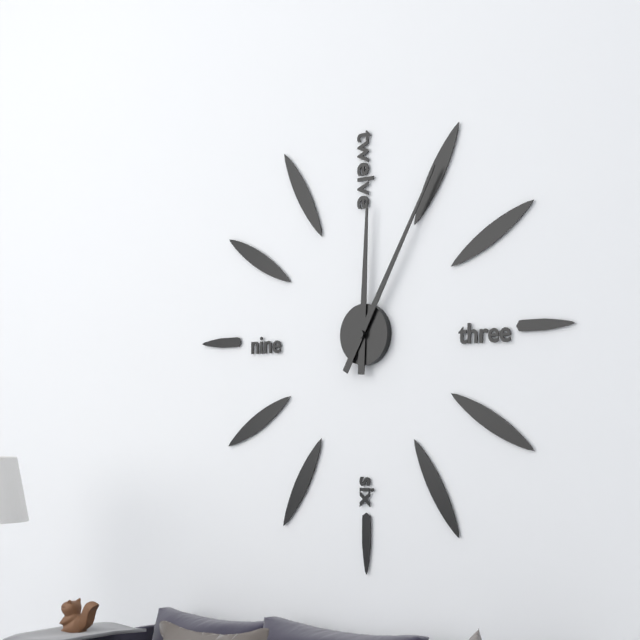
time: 12:05
